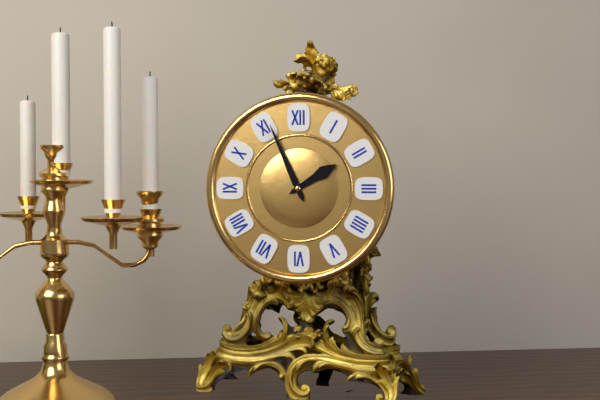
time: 1:56
